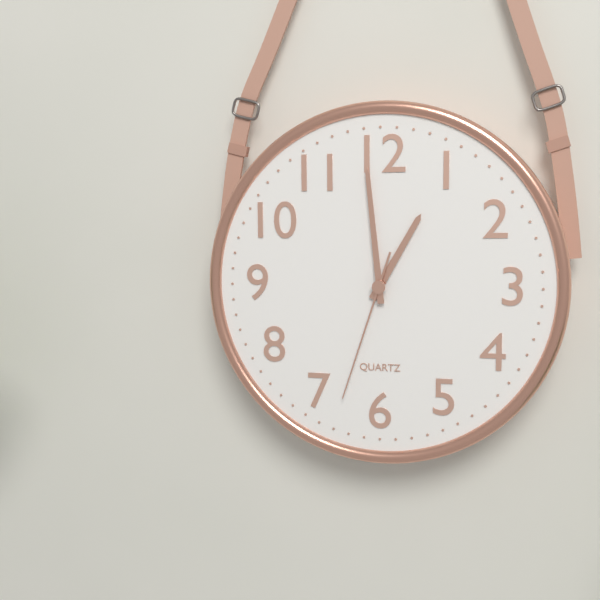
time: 12:59:33
